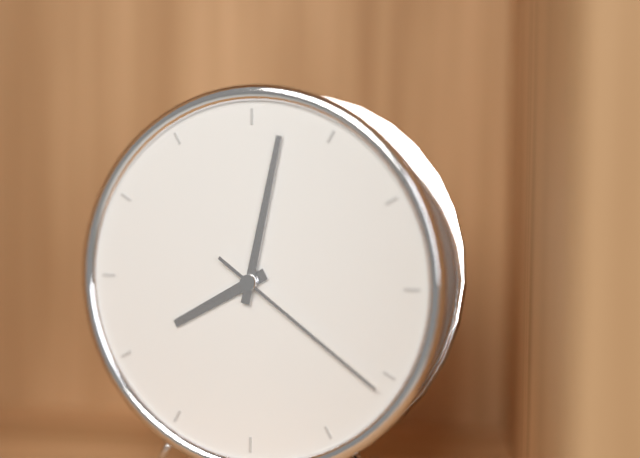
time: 8:02:21
